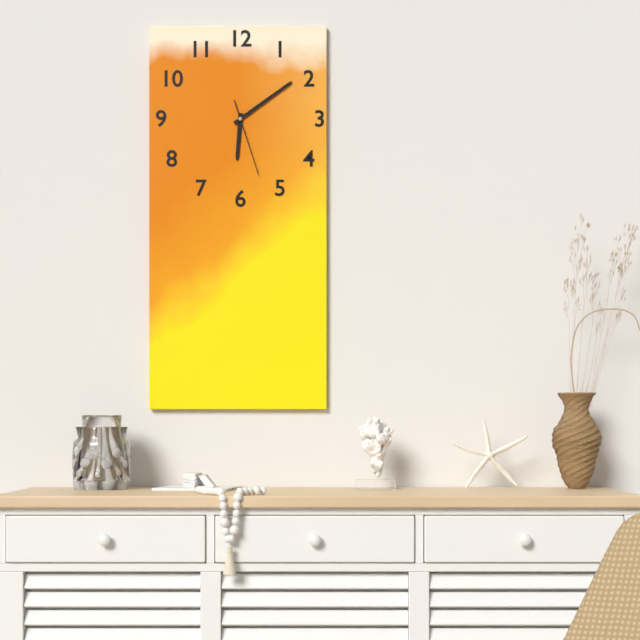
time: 6:09:27
